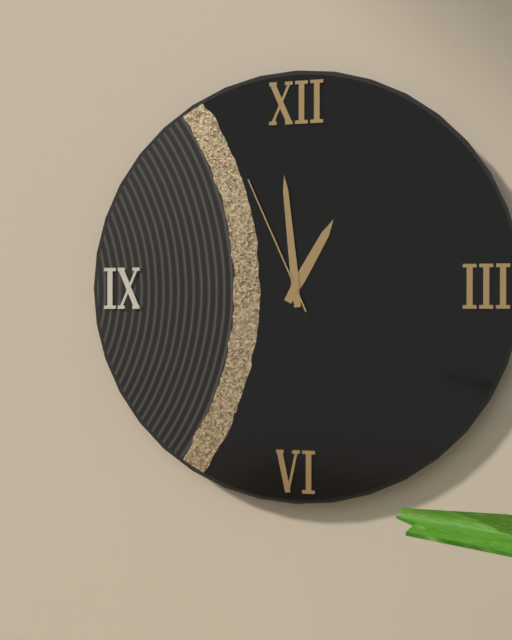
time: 12:59:56
